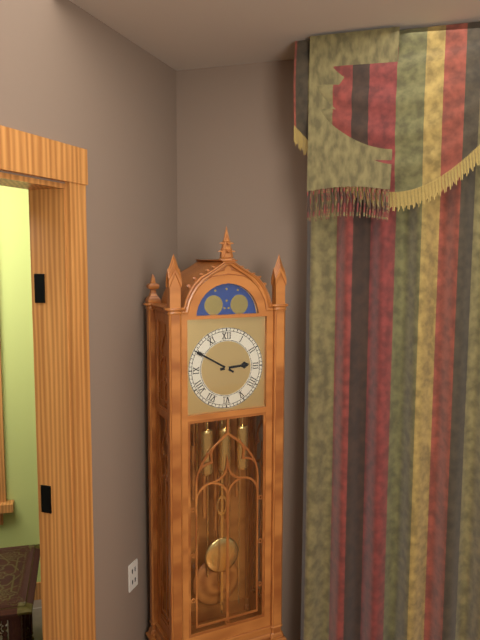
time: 2:50
